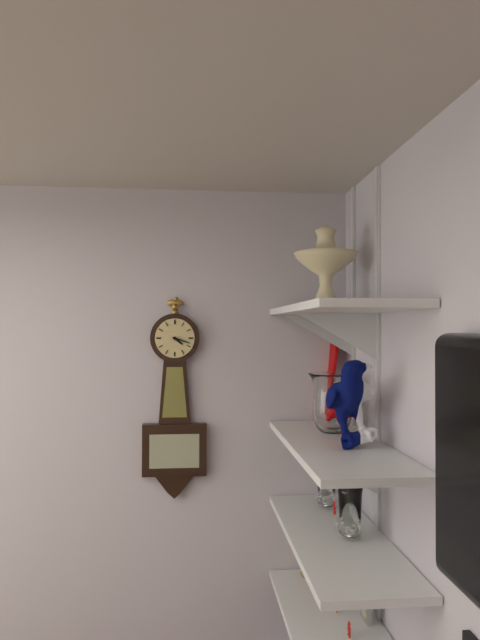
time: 4:18
